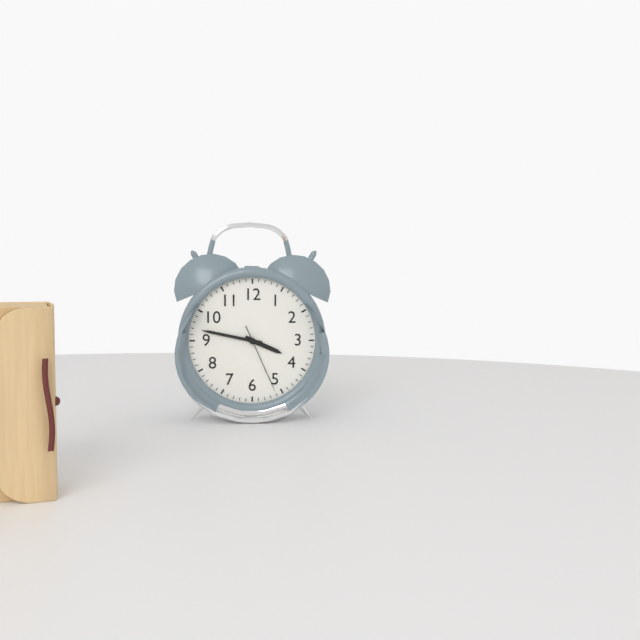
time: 3:47:26
